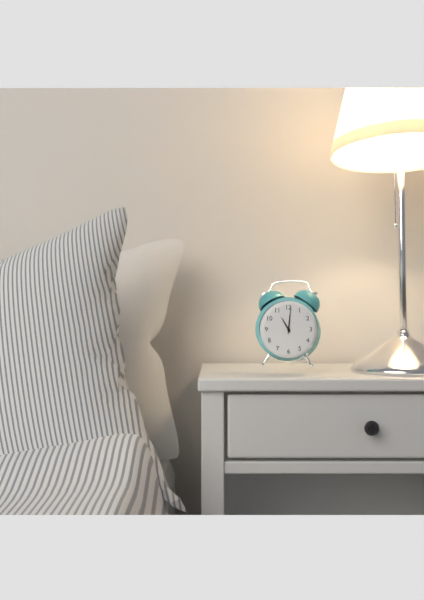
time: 11:01
